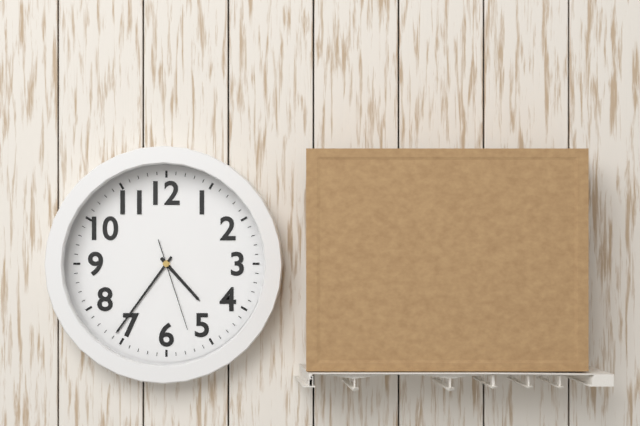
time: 4:36:27
